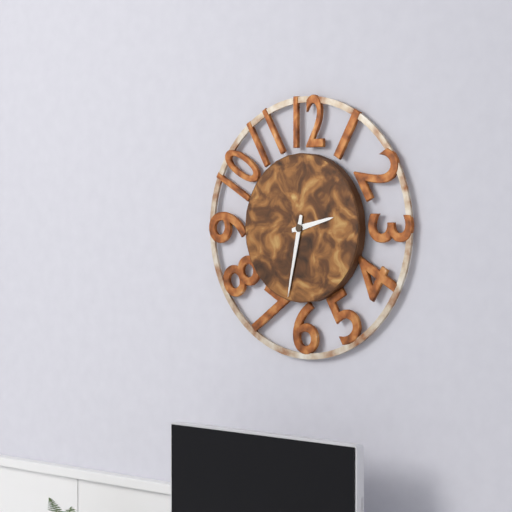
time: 2:32
